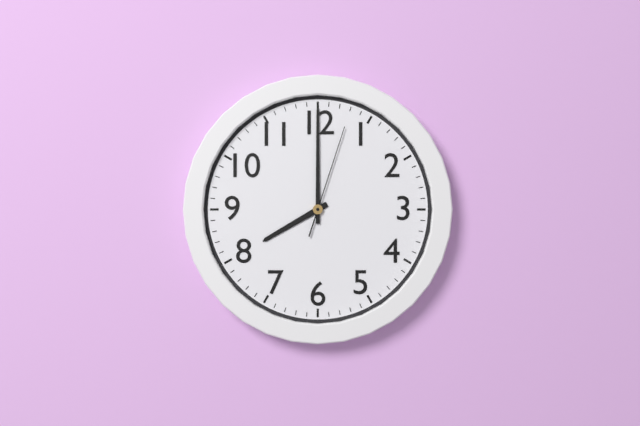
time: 8:00:03
